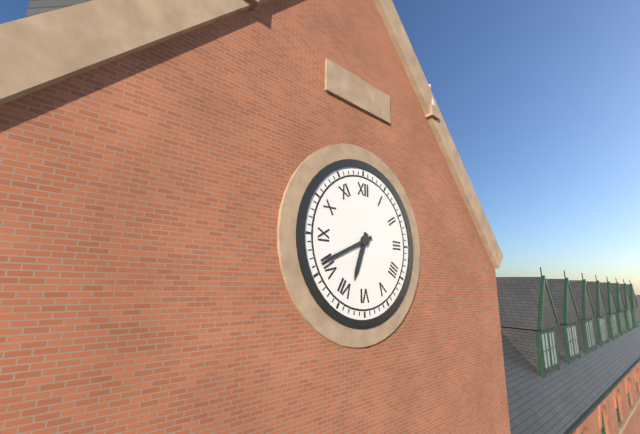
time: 6:41
